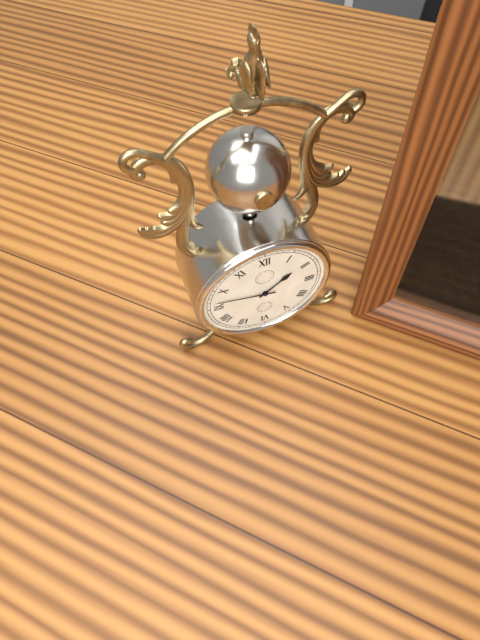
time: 1:47
